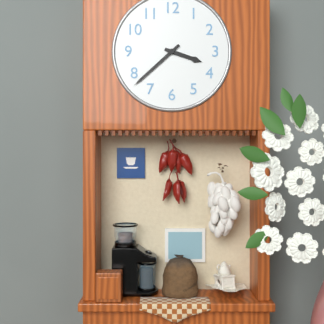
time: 3:38
